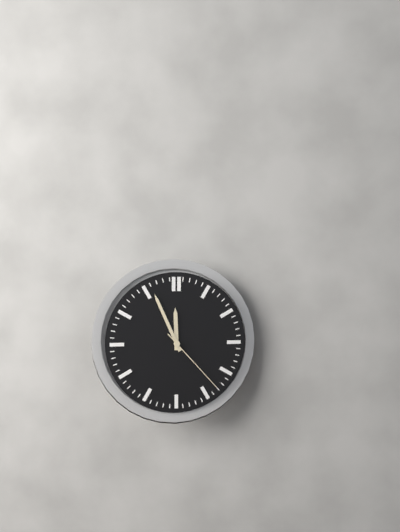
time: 11:56:23
